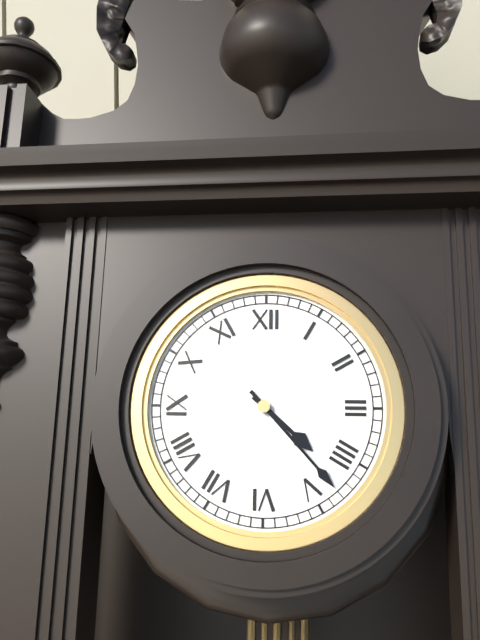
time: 4:23
